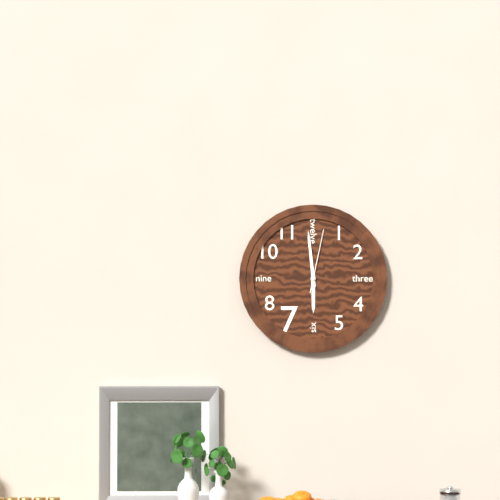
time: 5:59:02
